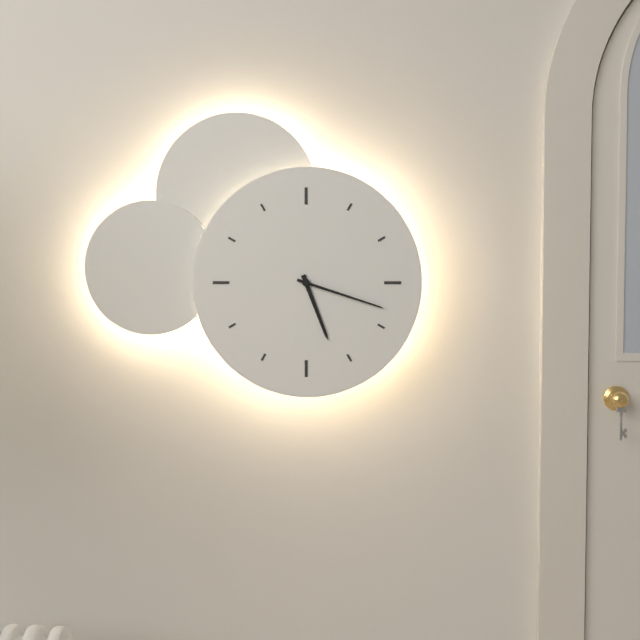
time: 5:18
